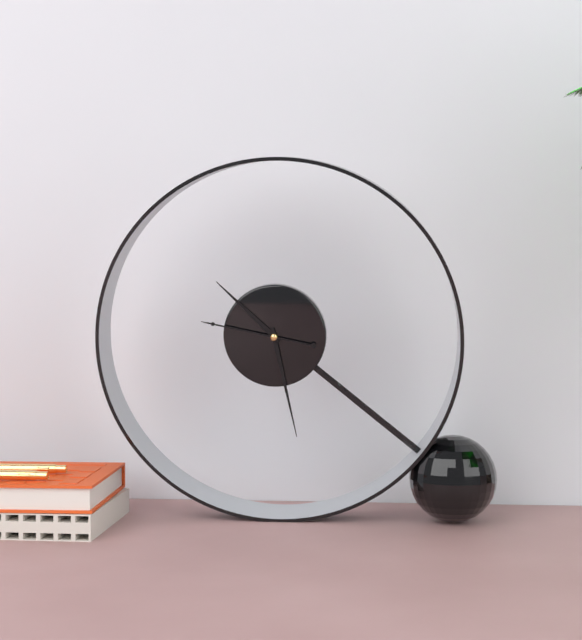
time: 10:28:47
